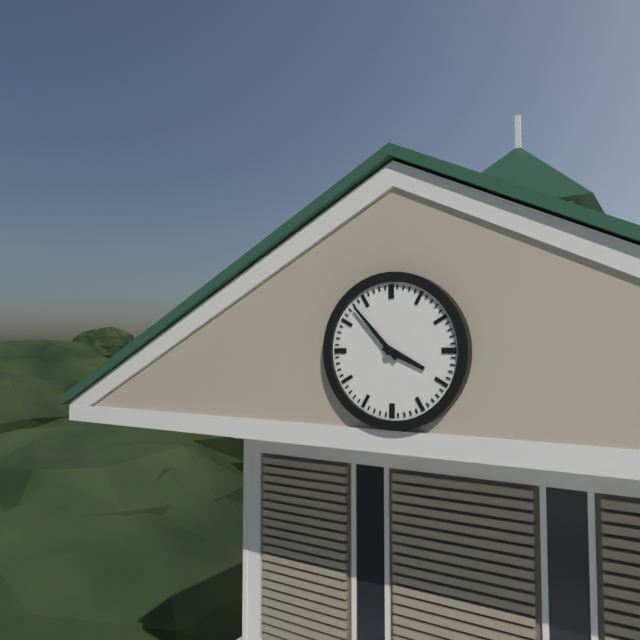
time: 3:53
